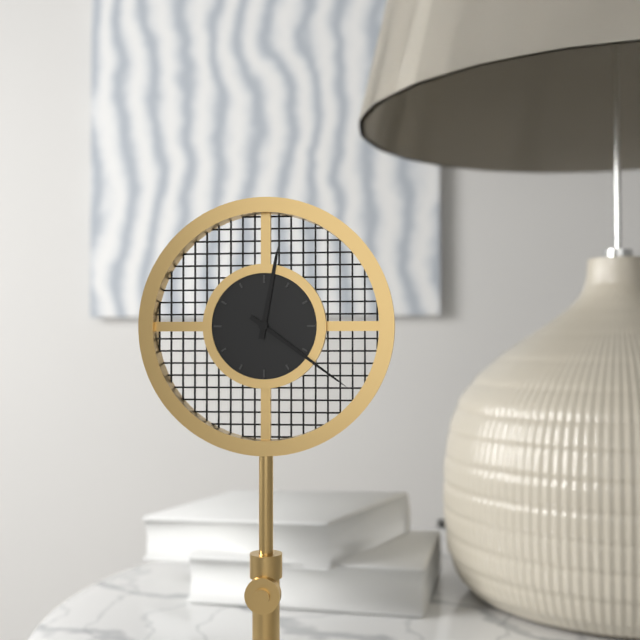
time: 12:21
